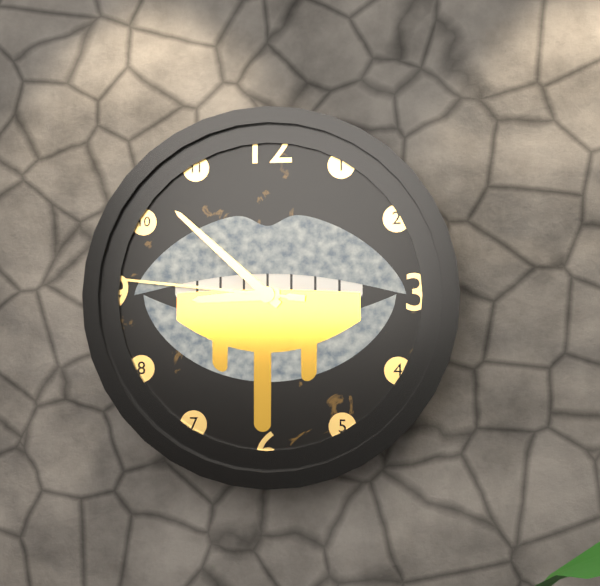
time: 8:52:46
